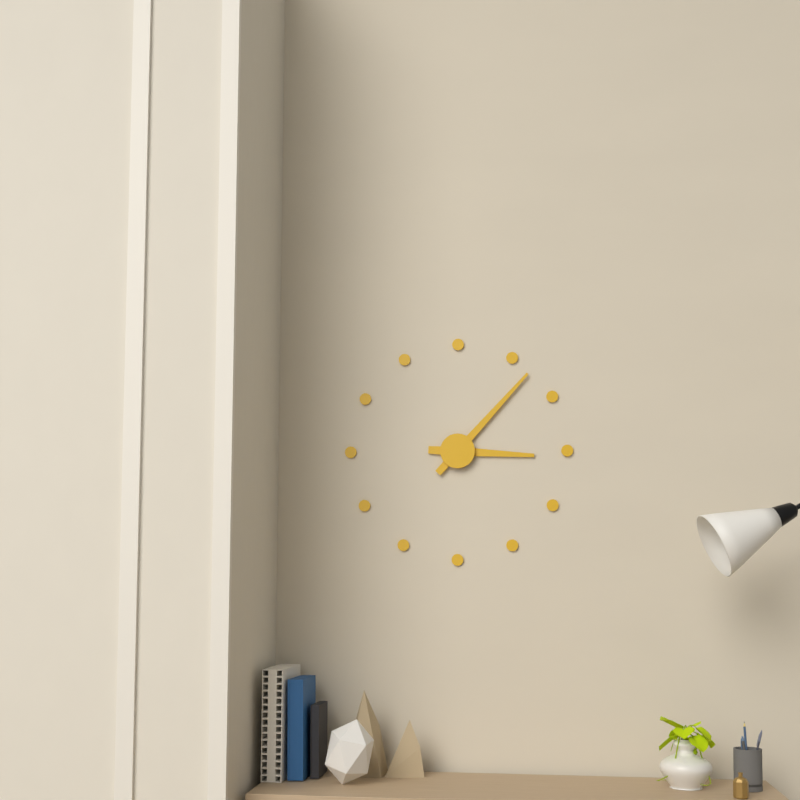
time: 3:07
